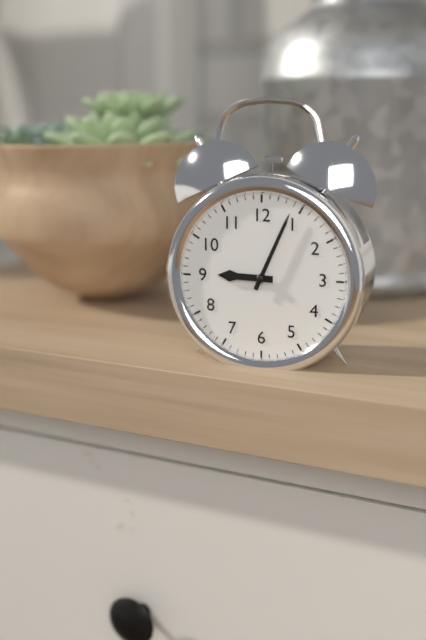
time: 9:04
